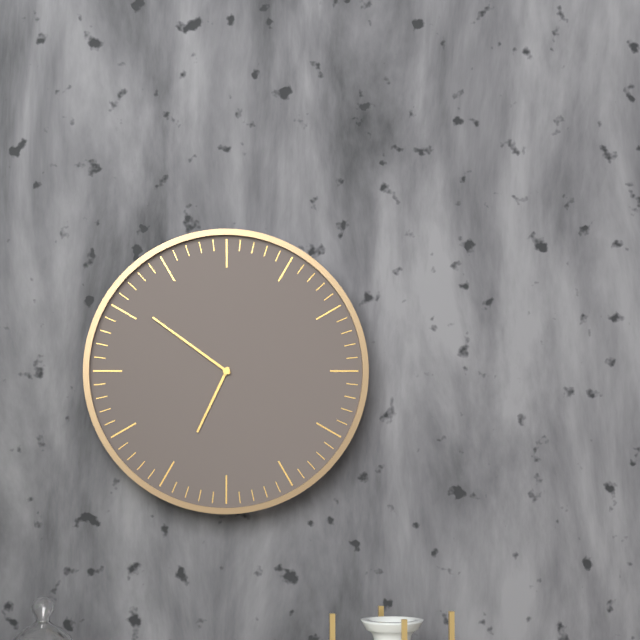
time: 6:51
